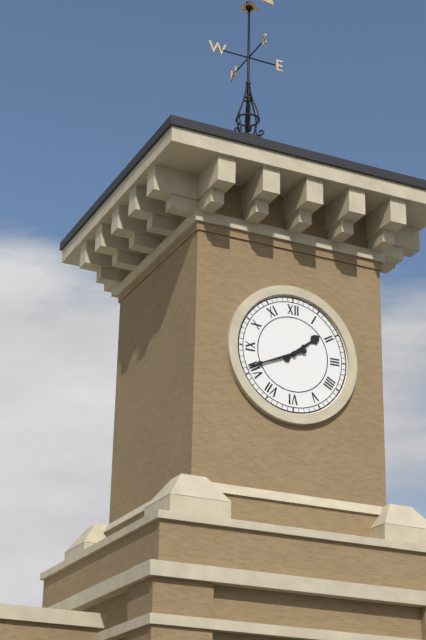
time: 1:41
